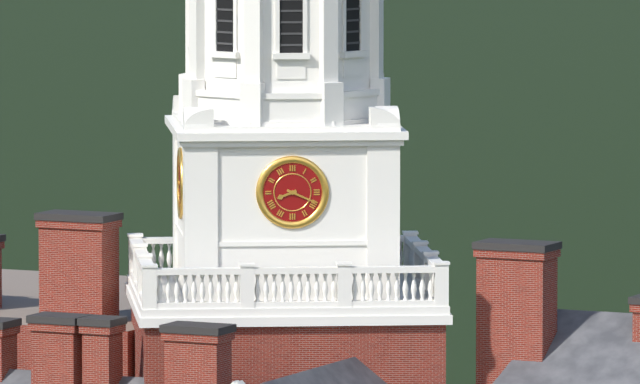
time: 8:19
